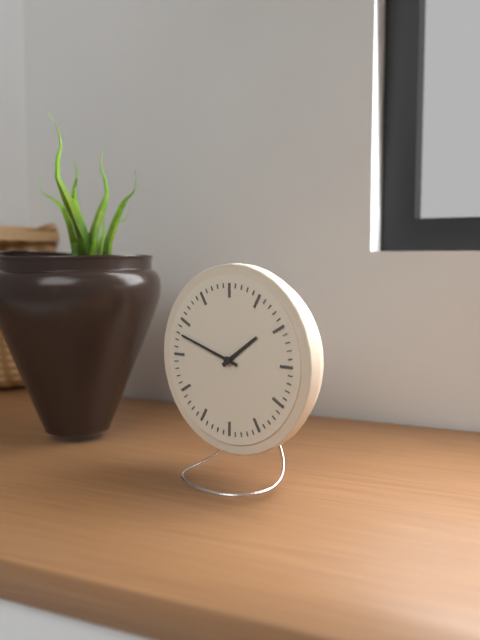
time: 1:48
